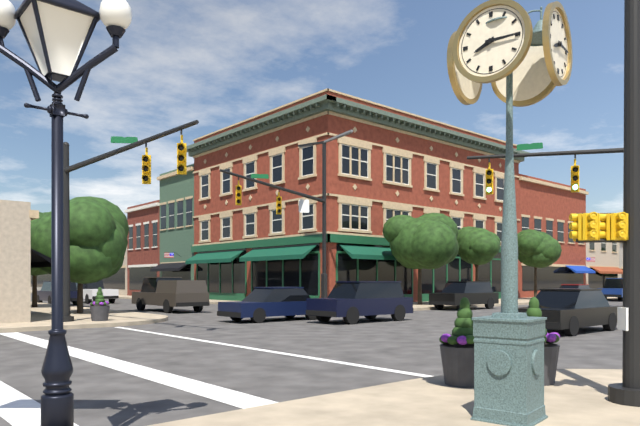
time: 8:15
